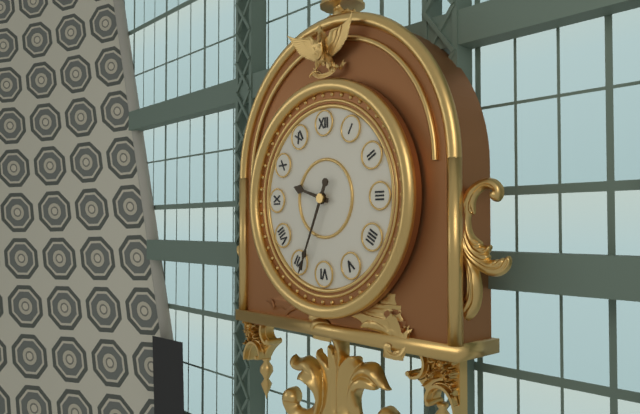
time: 9:34
